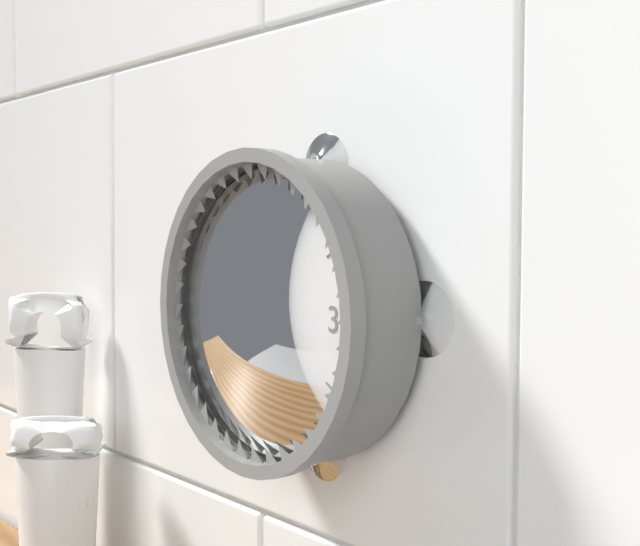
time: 9:02
